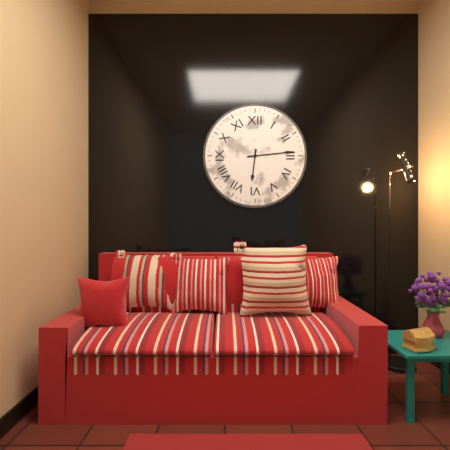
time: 6:14
